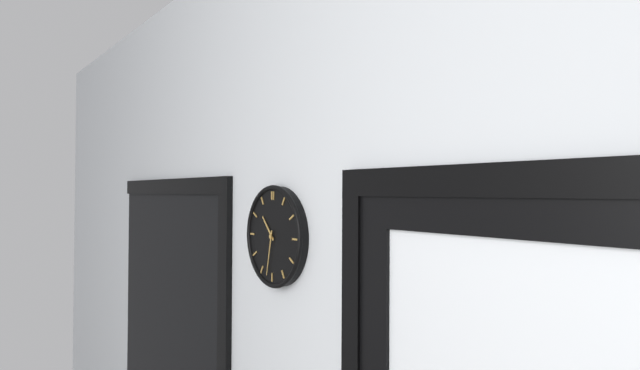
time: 10:32
